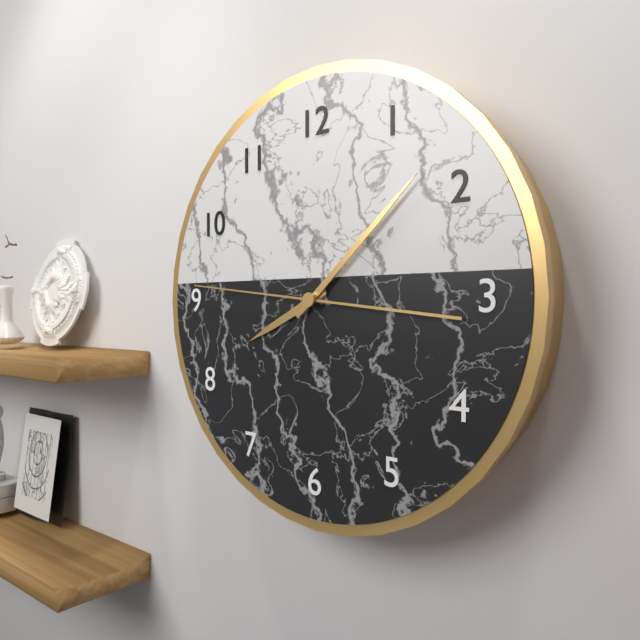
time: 8:08:46
